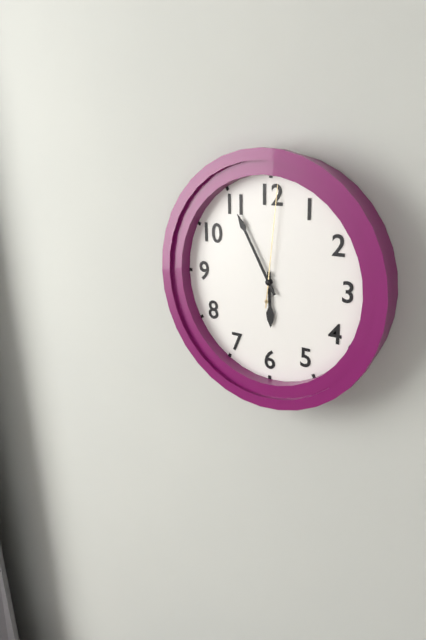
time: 5:55:01
